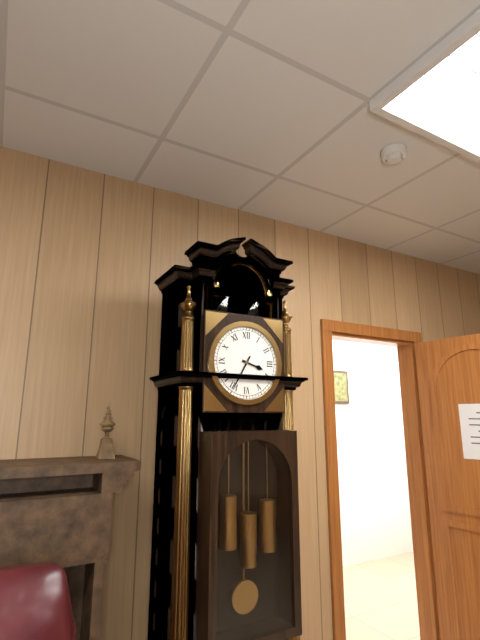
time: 3:35
